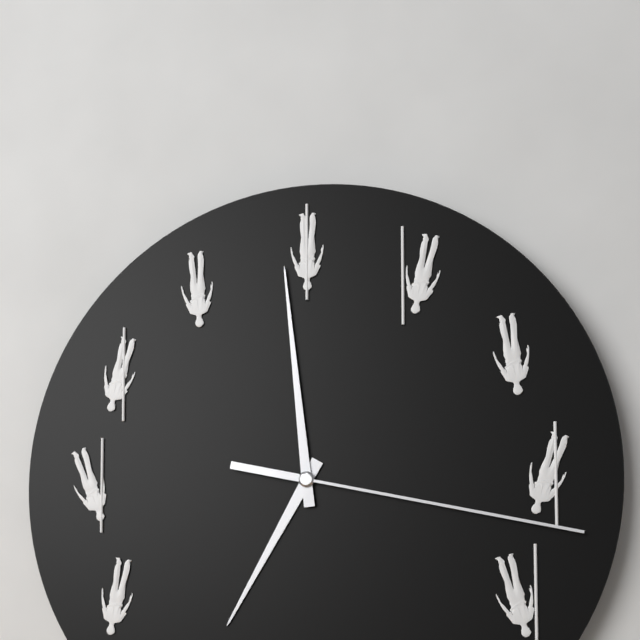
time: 6:59:17
